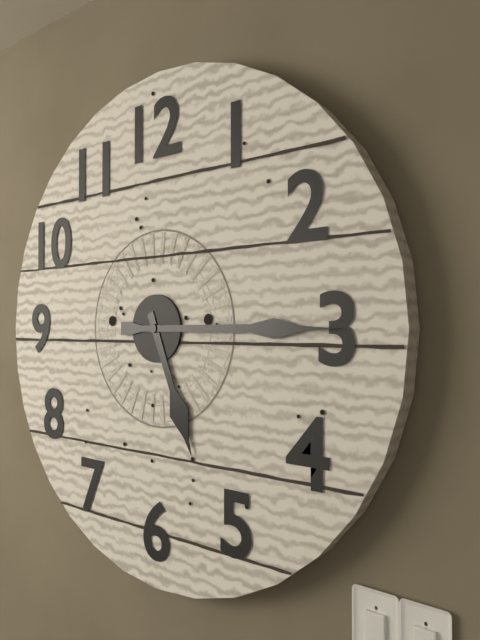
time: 5:15
